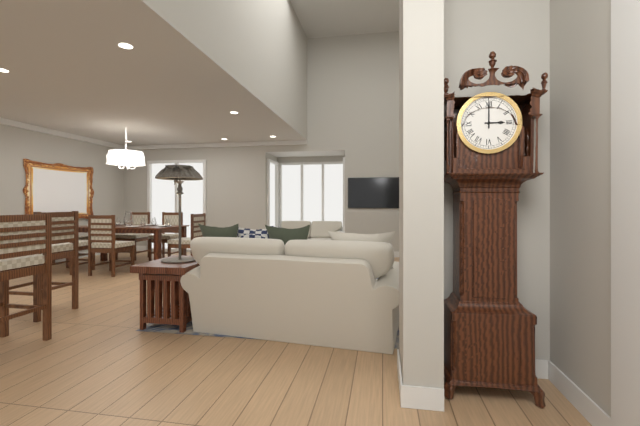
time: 3:00
